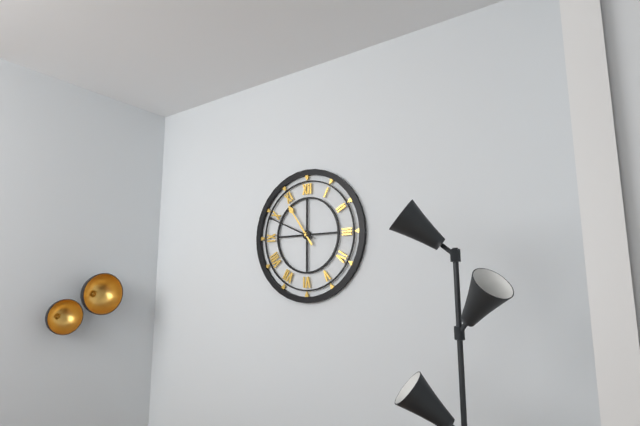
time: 10:49
